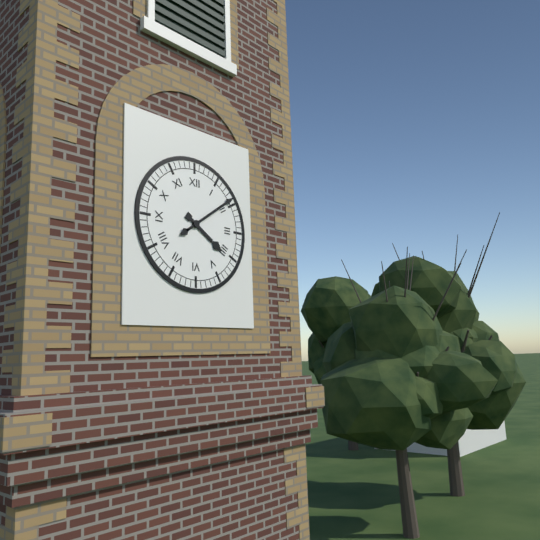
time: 4:09
